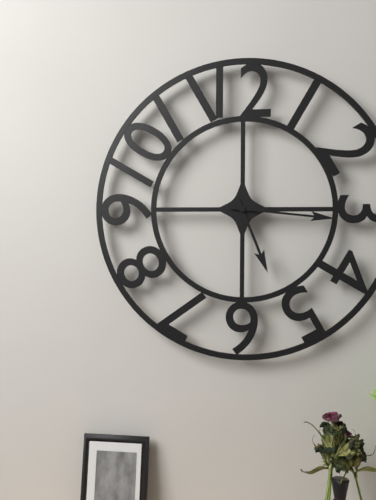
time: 5:16
